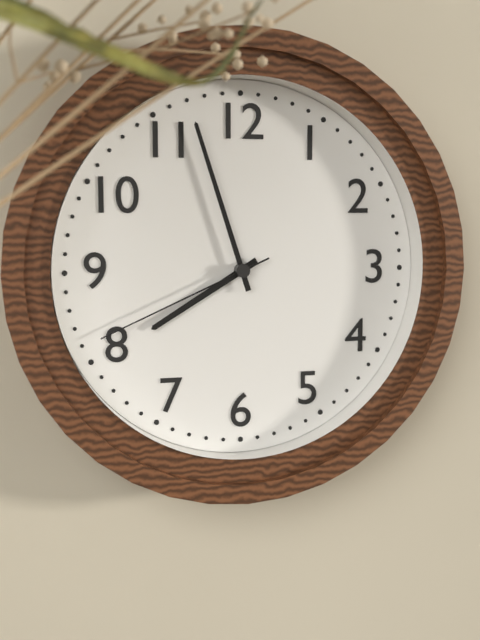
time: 7:57:41
